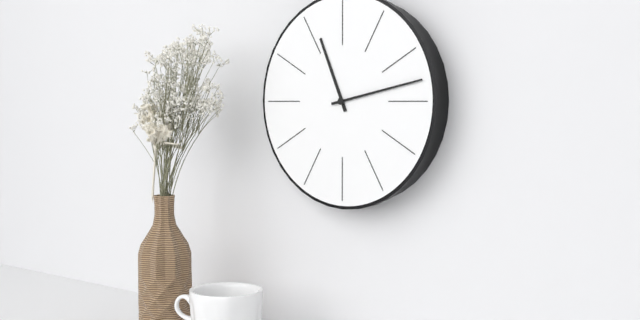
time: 11:13
